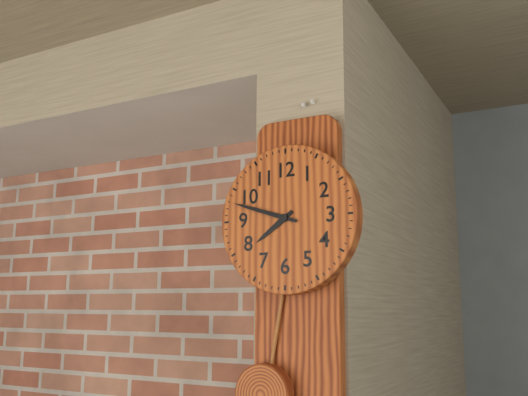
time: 7:48
